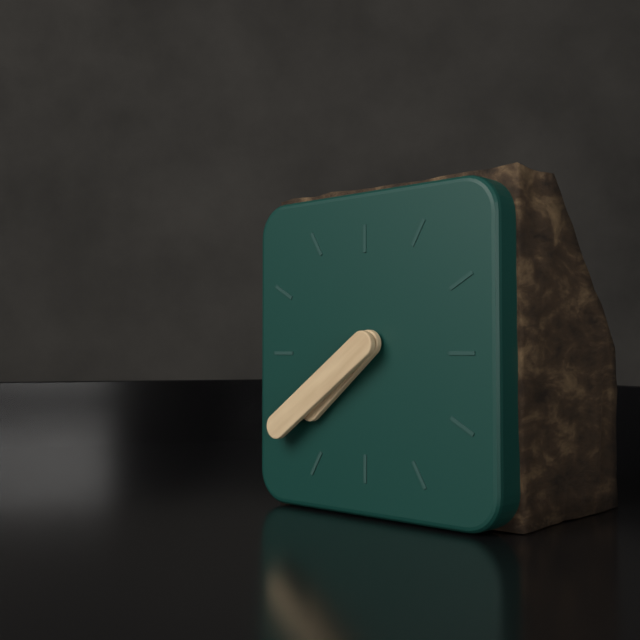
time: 7:39
